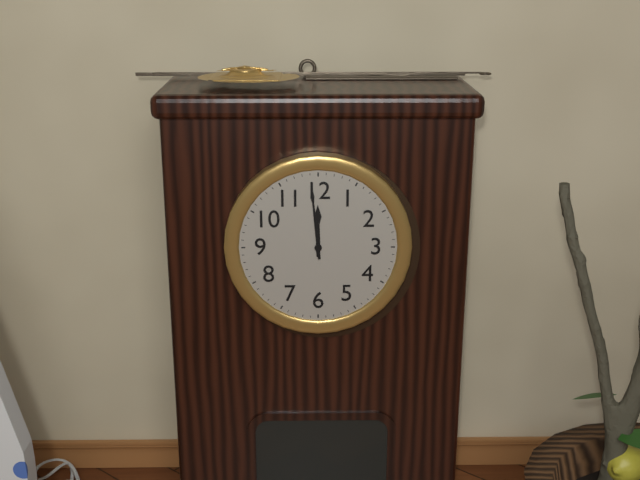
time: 11:59
